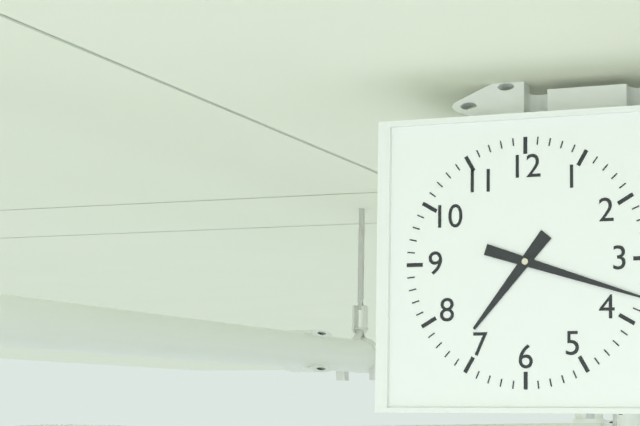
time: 7:18
